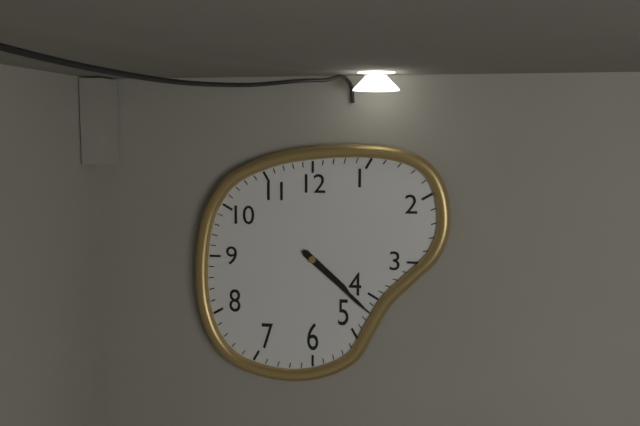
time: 4:22
